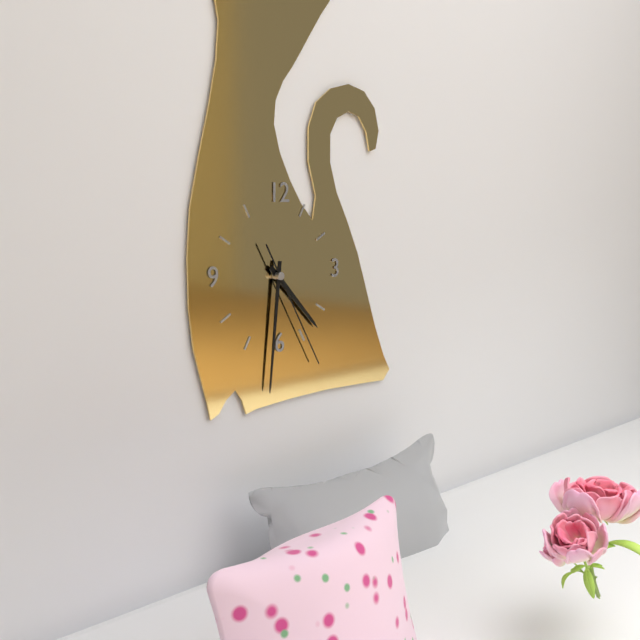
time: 4:31:25
